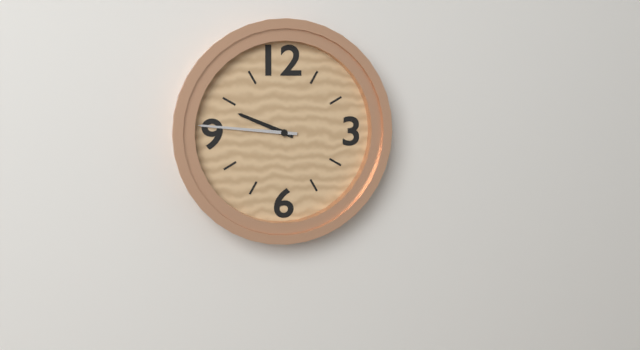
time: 9:46
